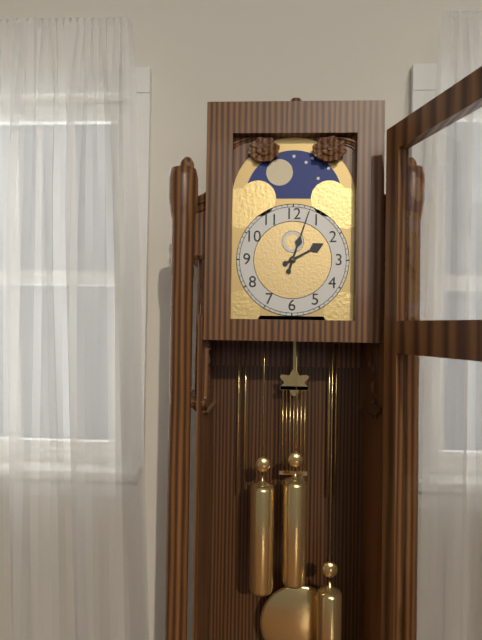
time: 2:03
